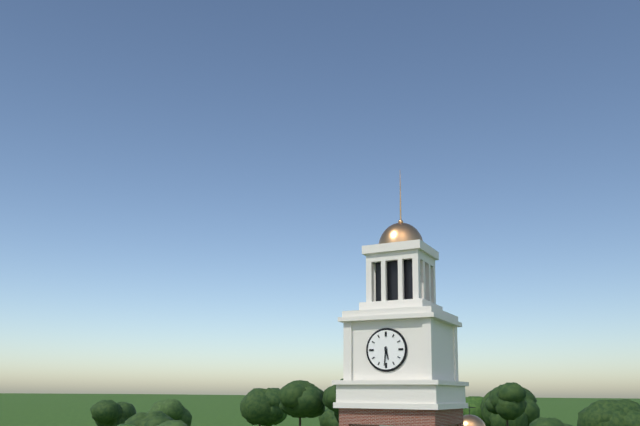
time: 5:31
